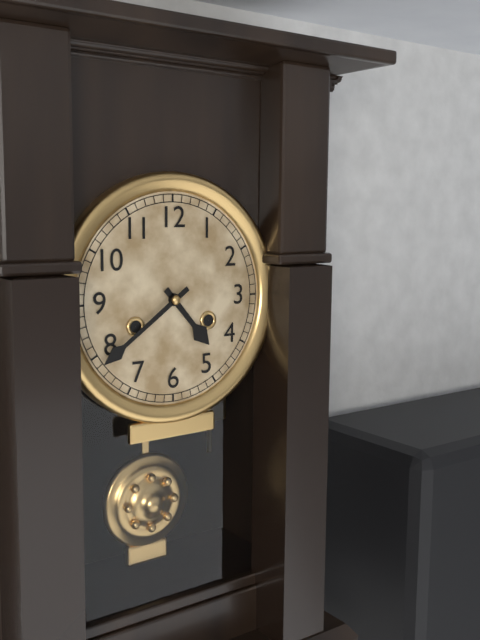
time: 4:39
